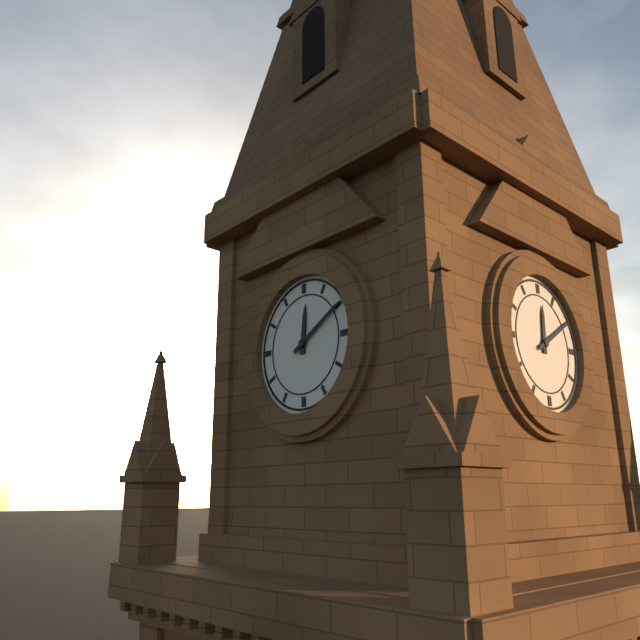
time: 12:10
